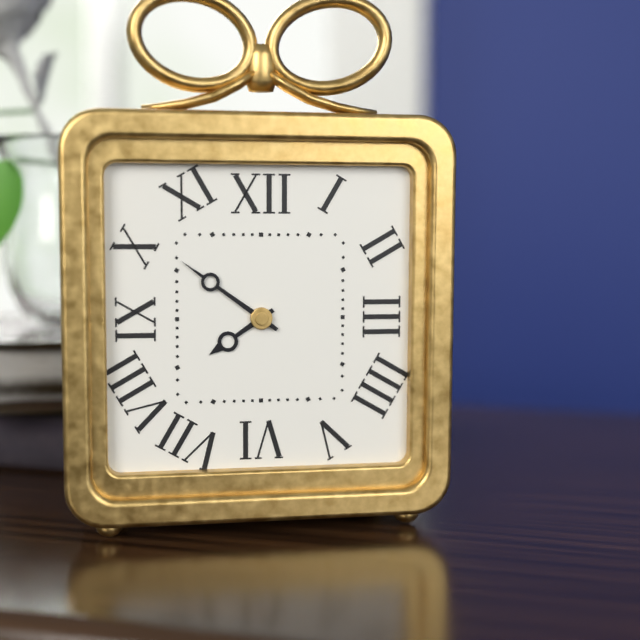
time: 7:51
